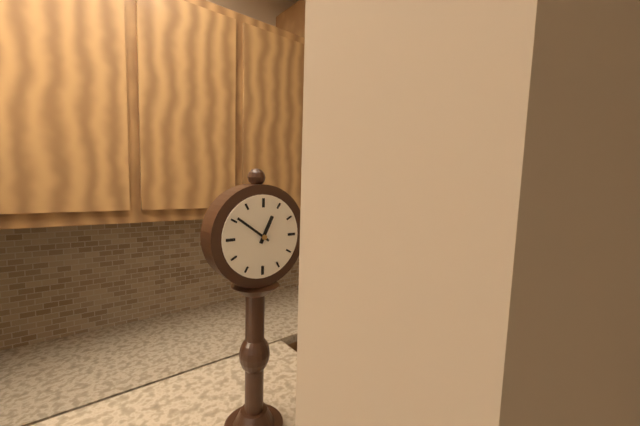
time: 12:51
